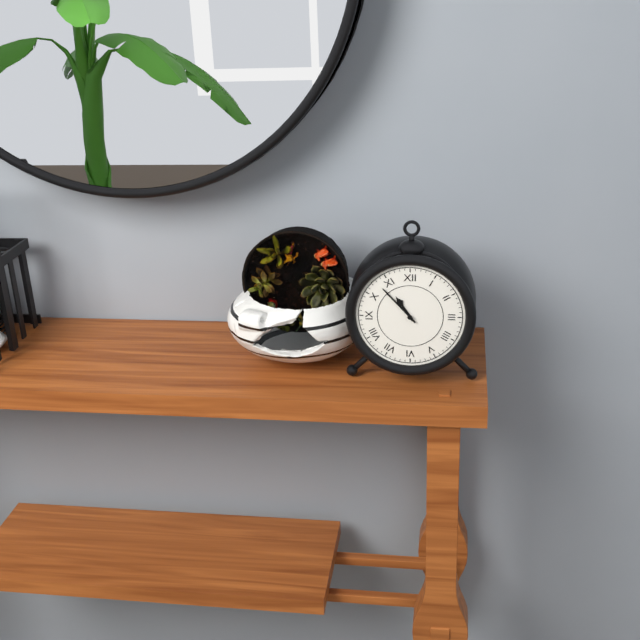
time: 10:53
